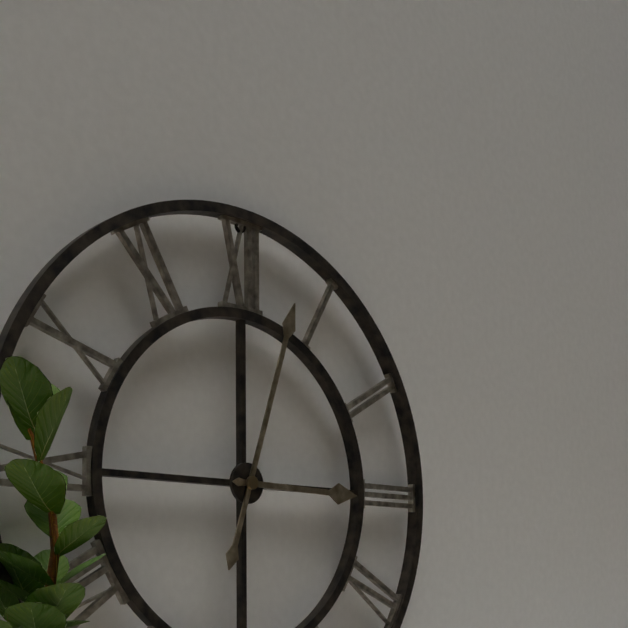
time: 3:03
